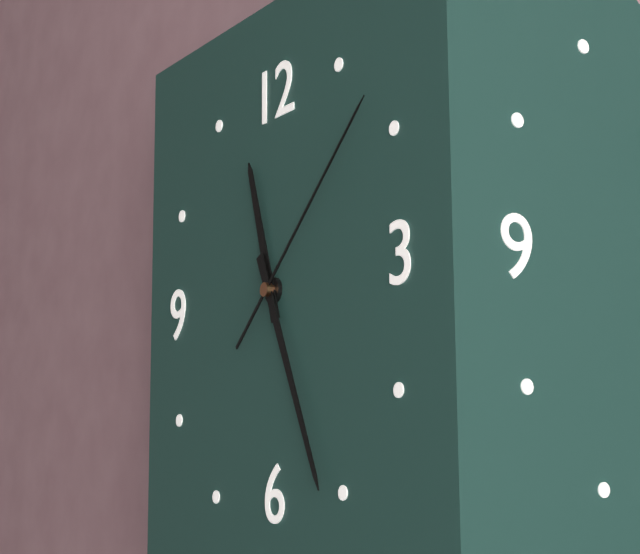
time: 11:26:08
